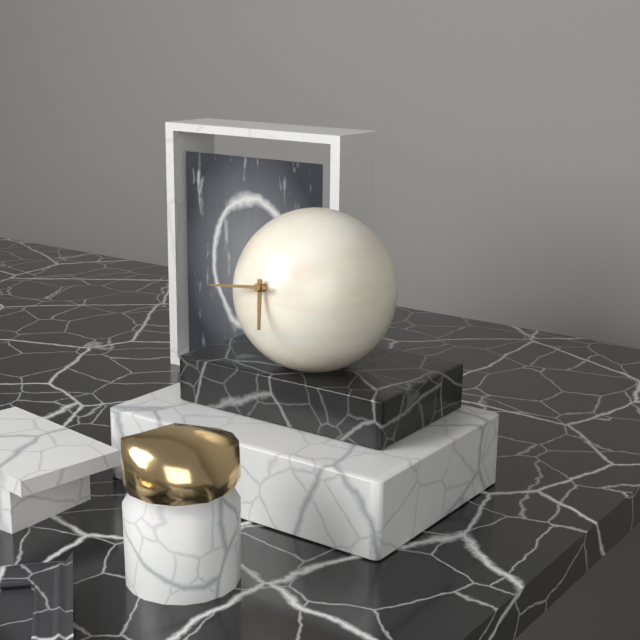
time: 5:44
